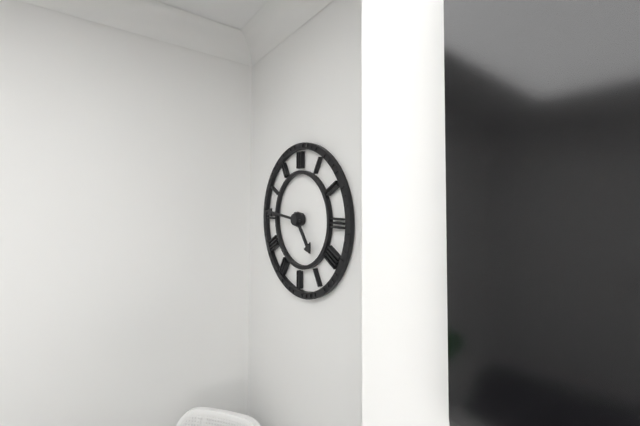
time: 4:46
